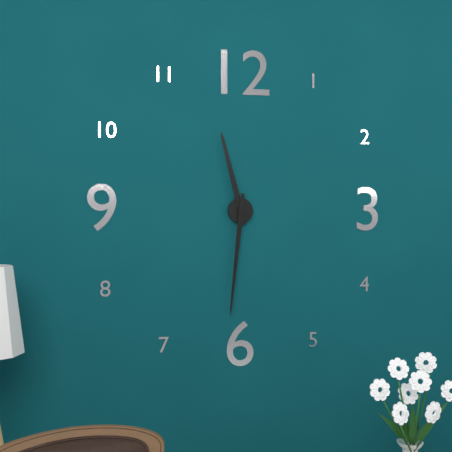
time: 11:31
